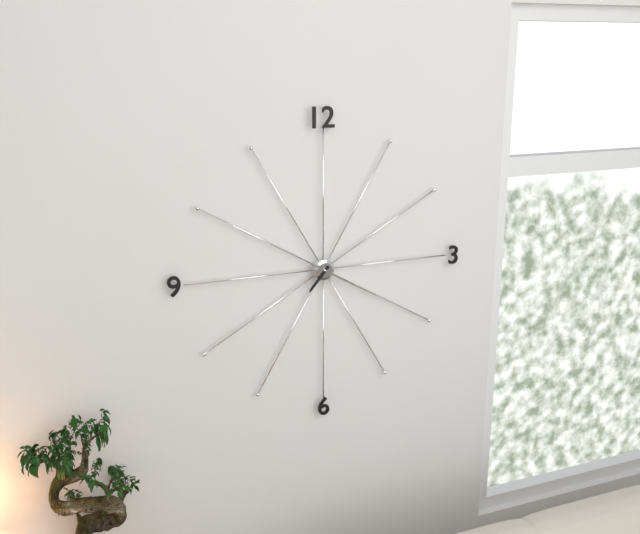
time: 7:20
